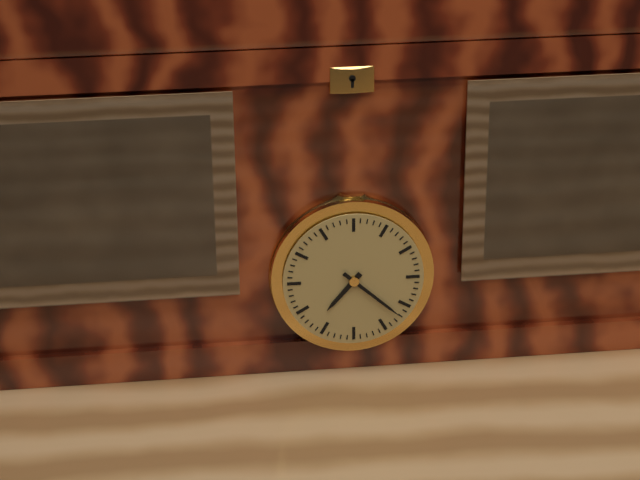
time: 7:22
